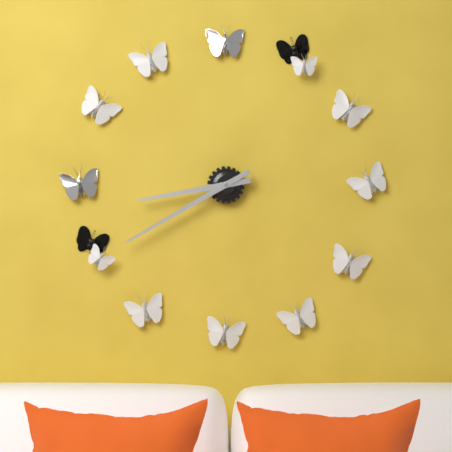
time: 8:40
